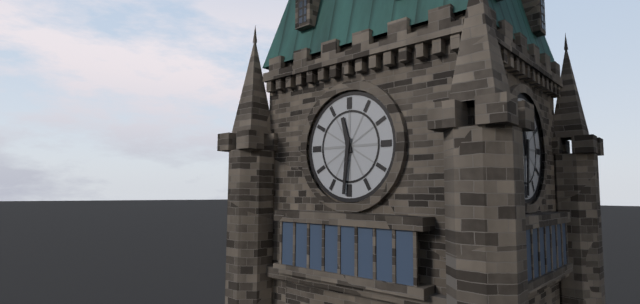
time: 11:31
